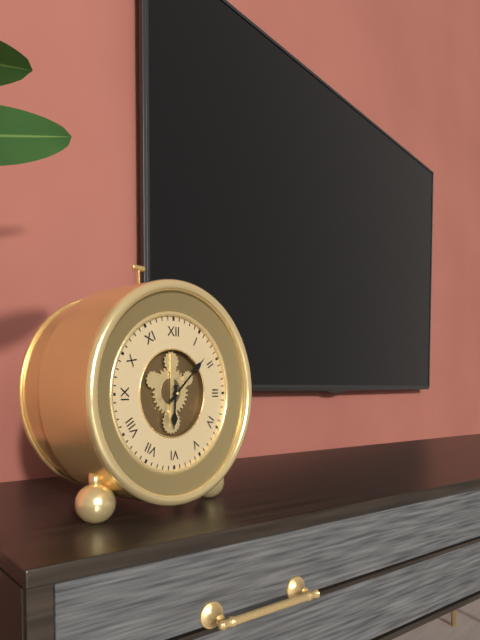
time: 6:08
